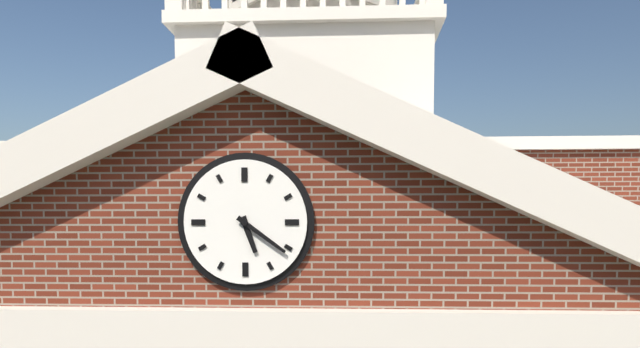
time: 5:21
